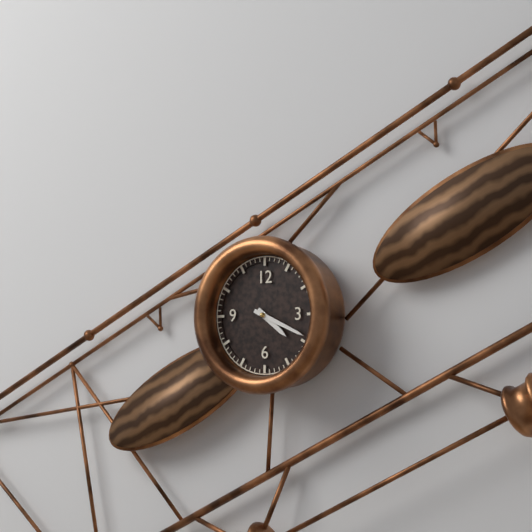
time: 4:19
